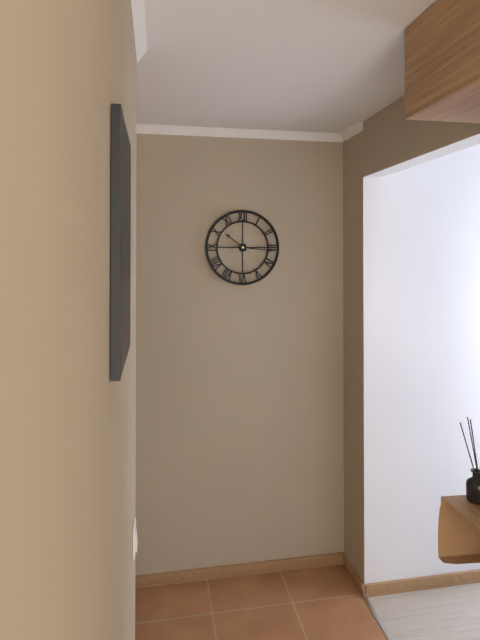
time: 10:16
